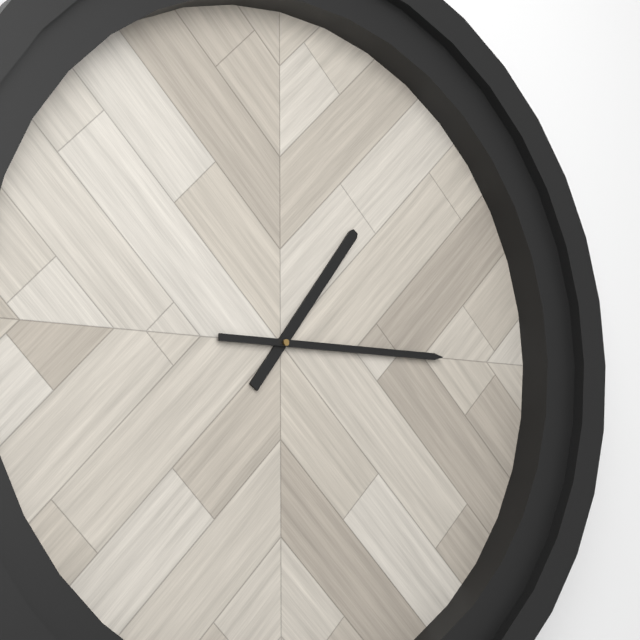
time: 1:15
